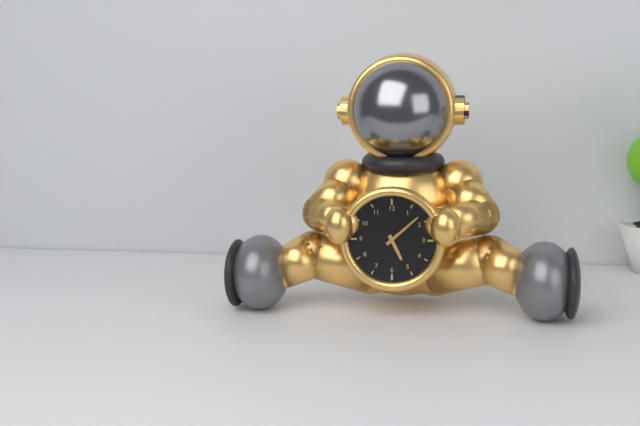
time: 5:08
